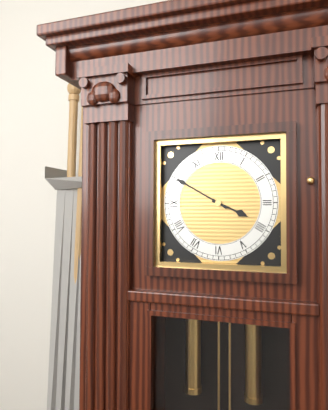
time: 3:50
